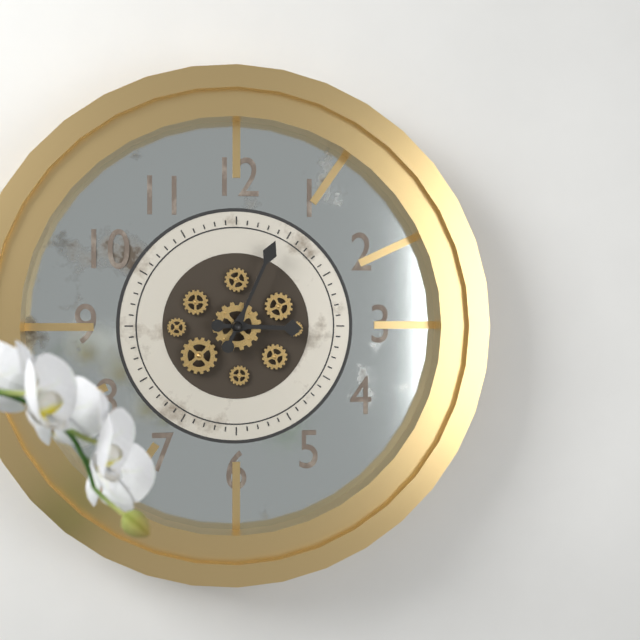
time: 3:04
